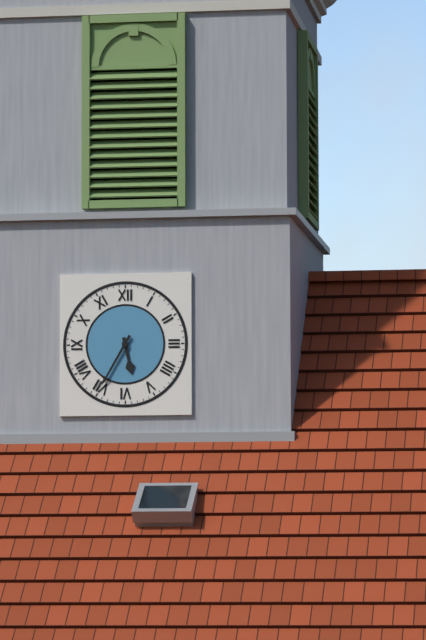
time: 5:35
